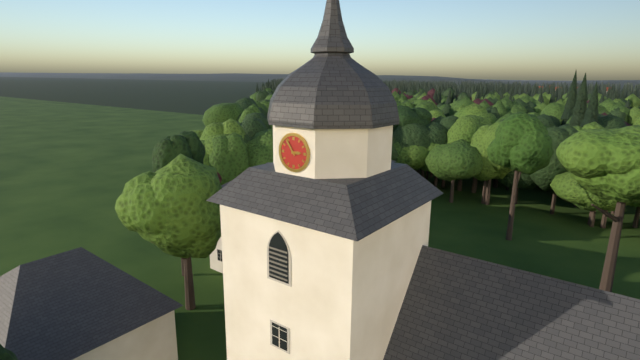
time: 2:54
